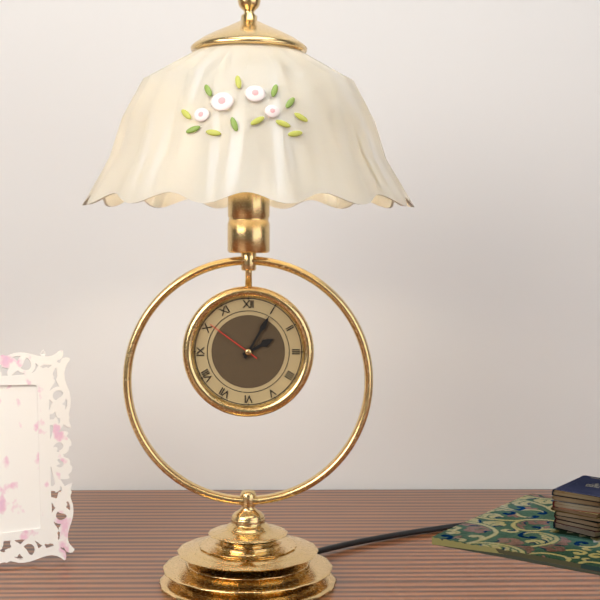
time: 2:05:51
